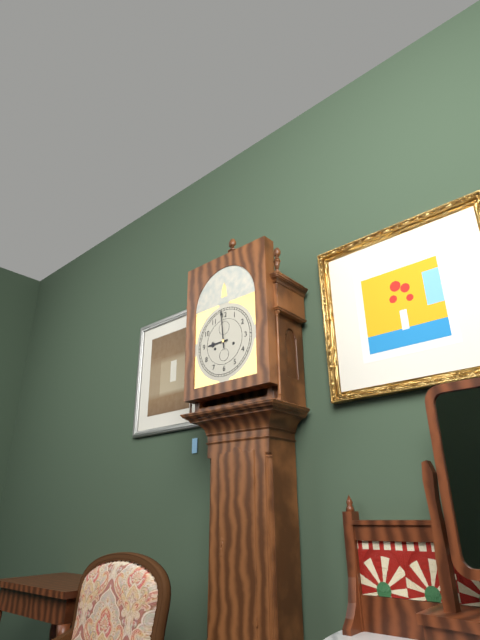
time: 8:59
